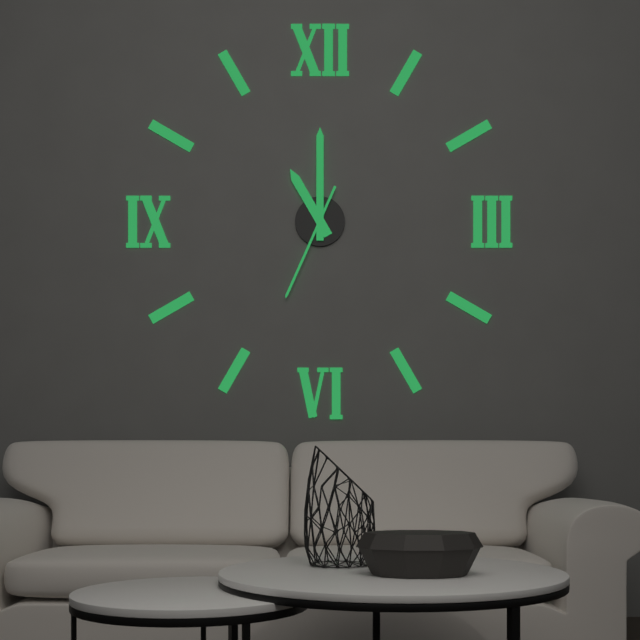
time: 11:00:34
